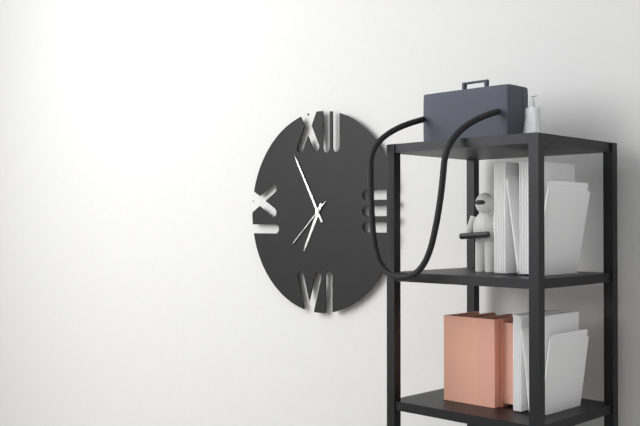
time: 6:55:38
